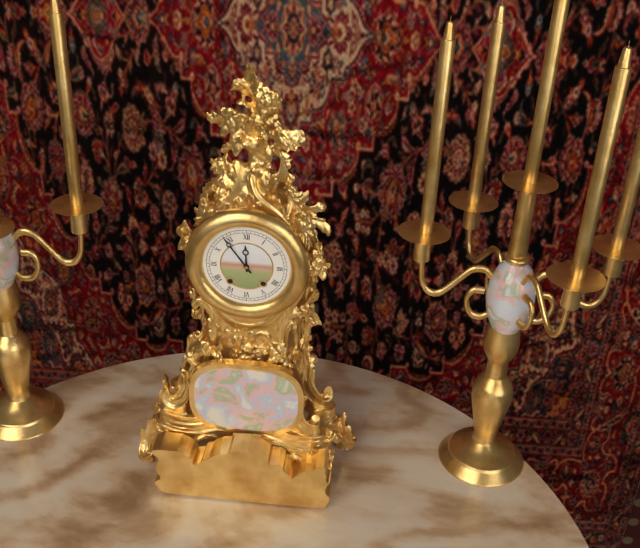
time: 11:54
